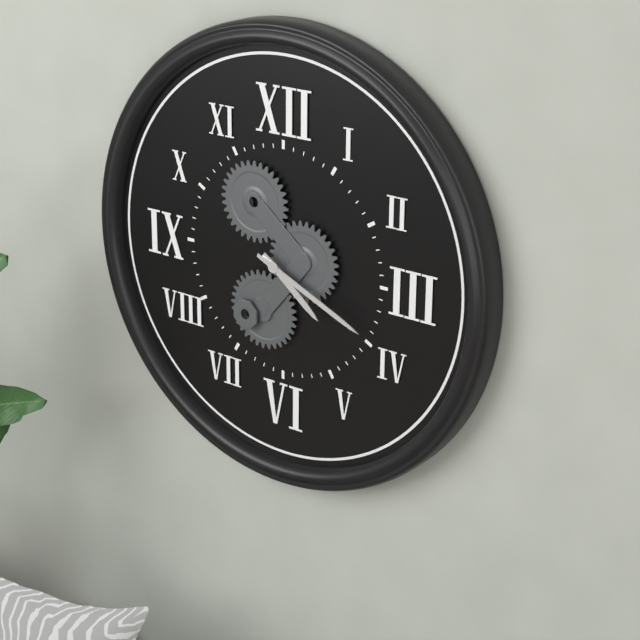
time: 4:19
